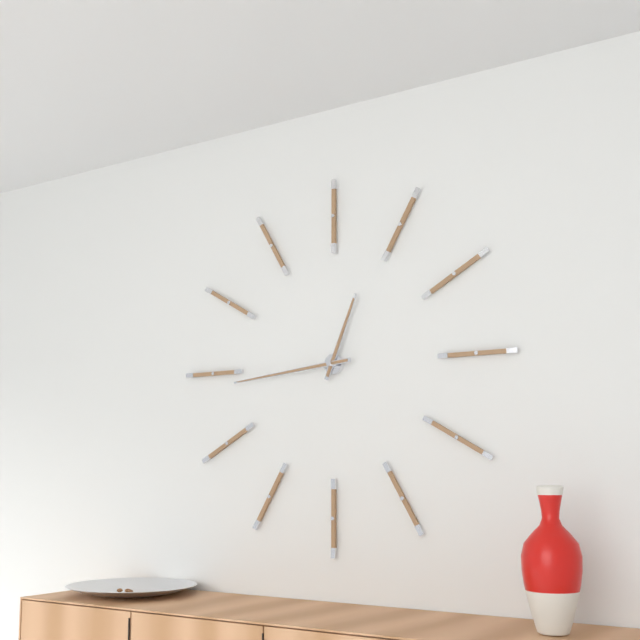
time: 12:44
